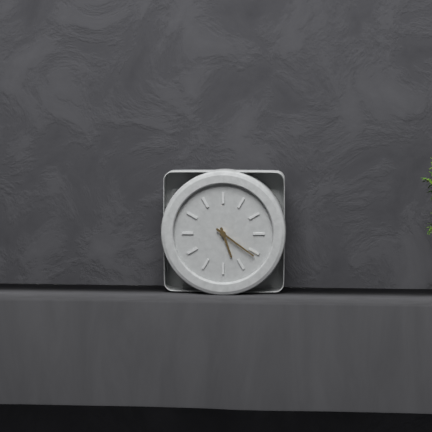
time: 5:21
